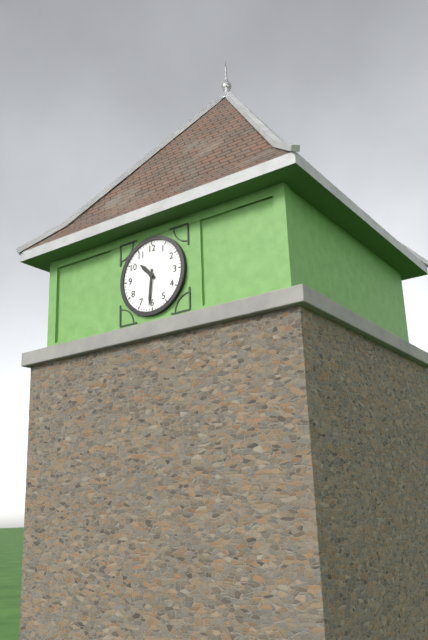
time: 10:31
